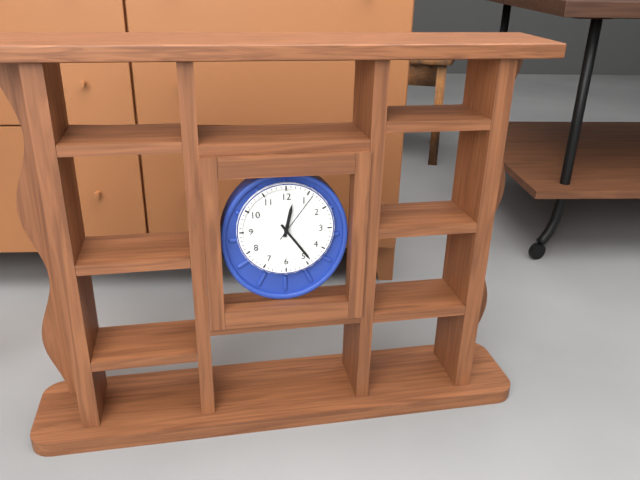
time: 12:24:06
